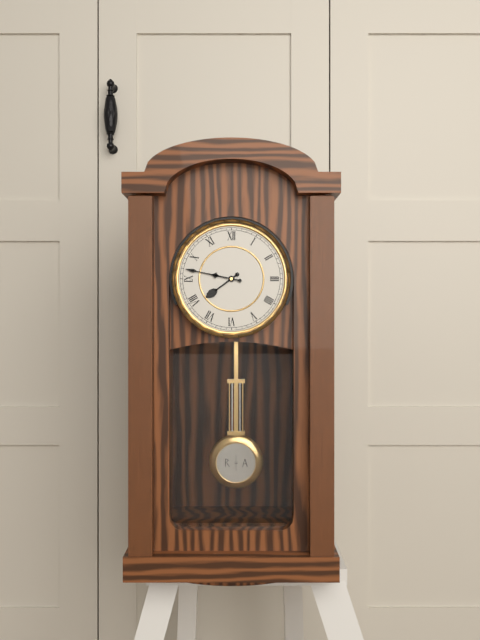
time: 7:47
